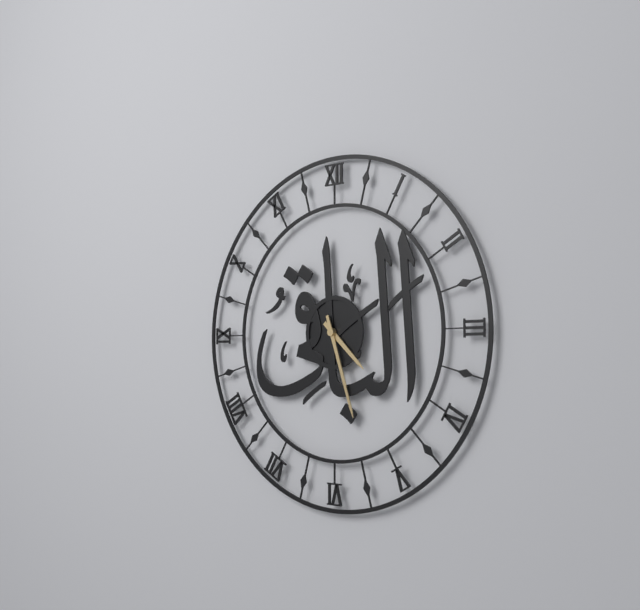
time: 4:27
